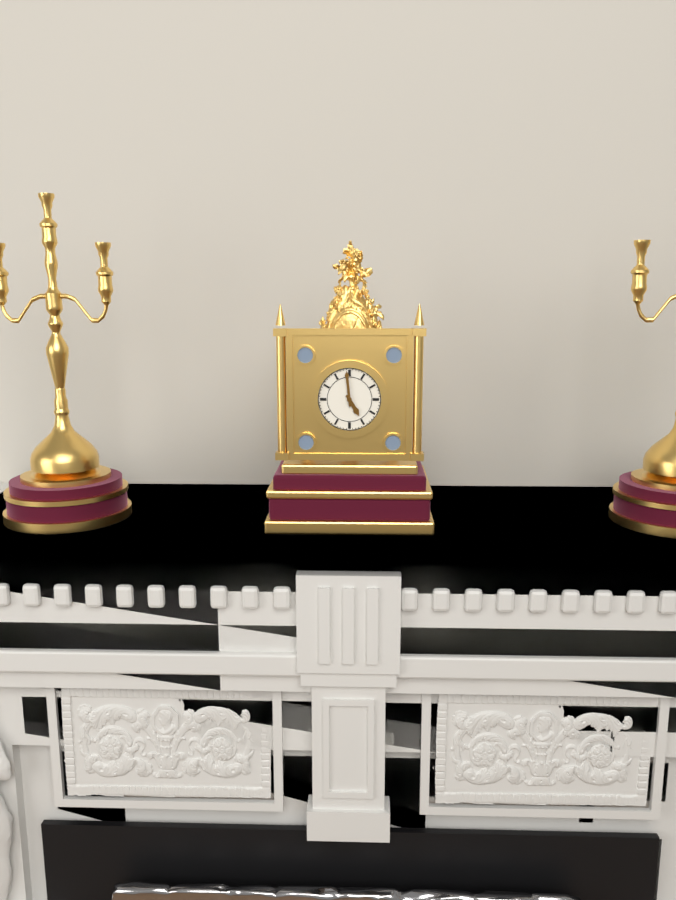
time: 4:59
